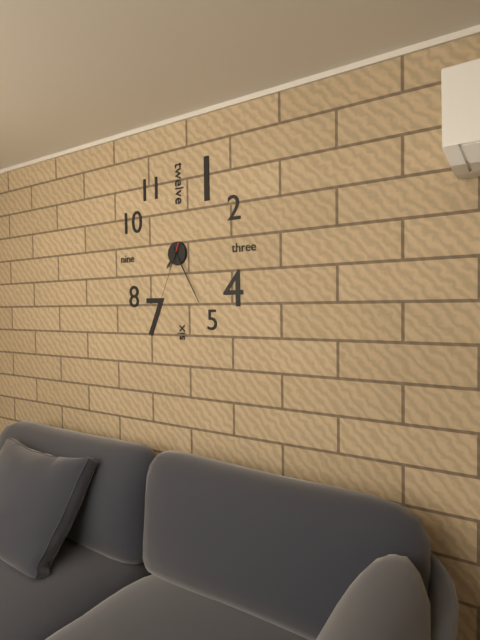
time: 7:25:34
